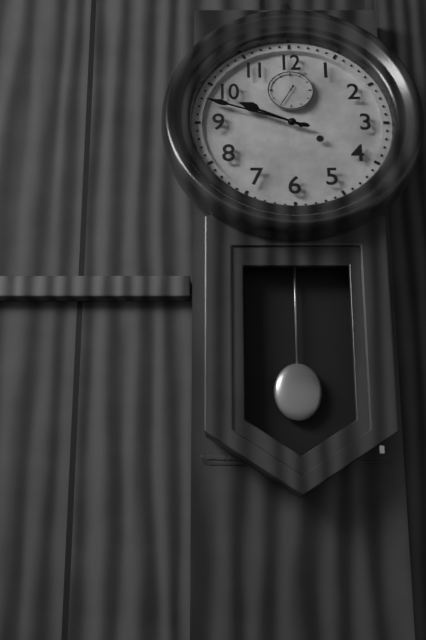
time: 9:48
